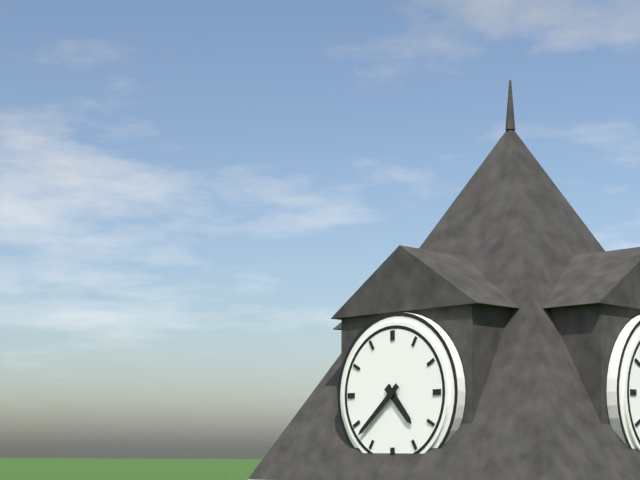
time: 4:38
